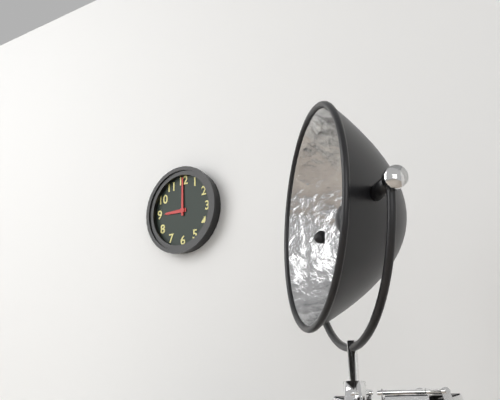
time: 9:00
